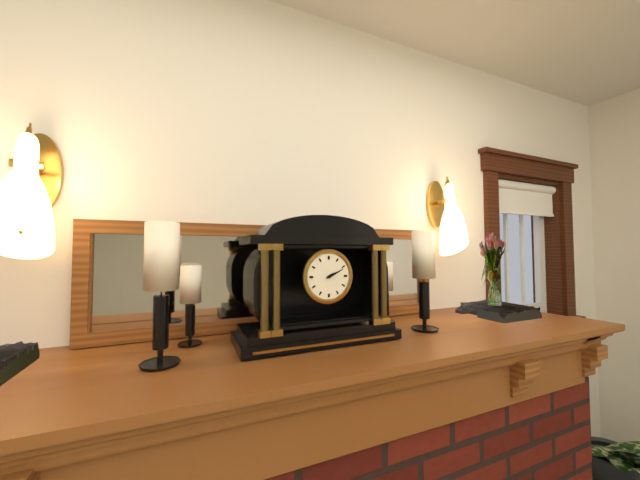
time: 2:11
